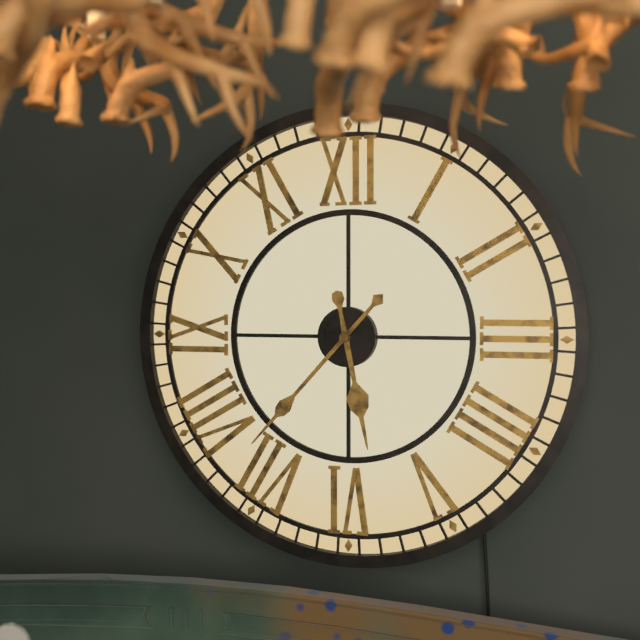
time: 5:37
